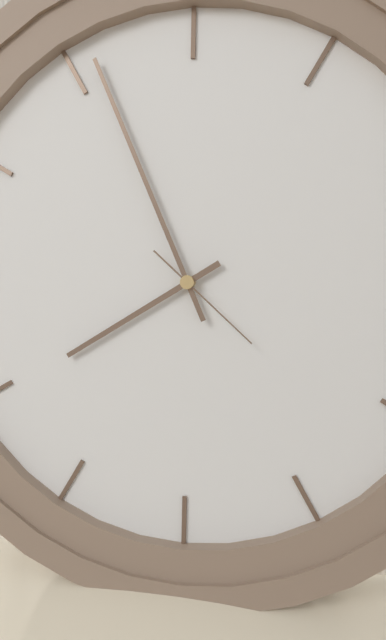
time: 7:56:22
